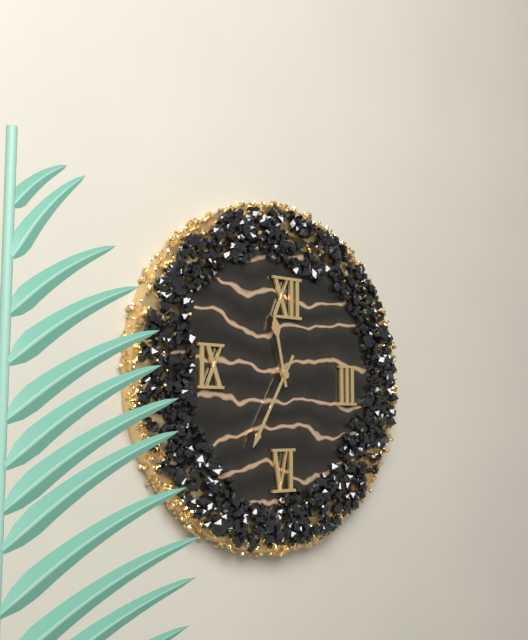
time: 11:35
